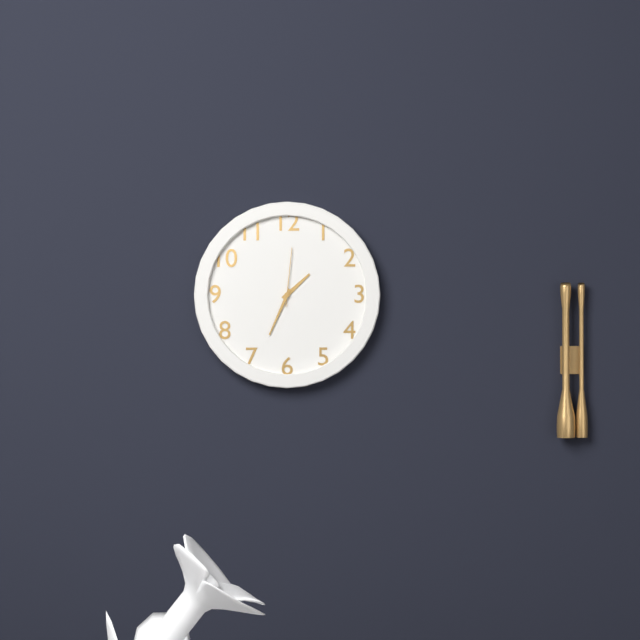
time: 1:34:01
